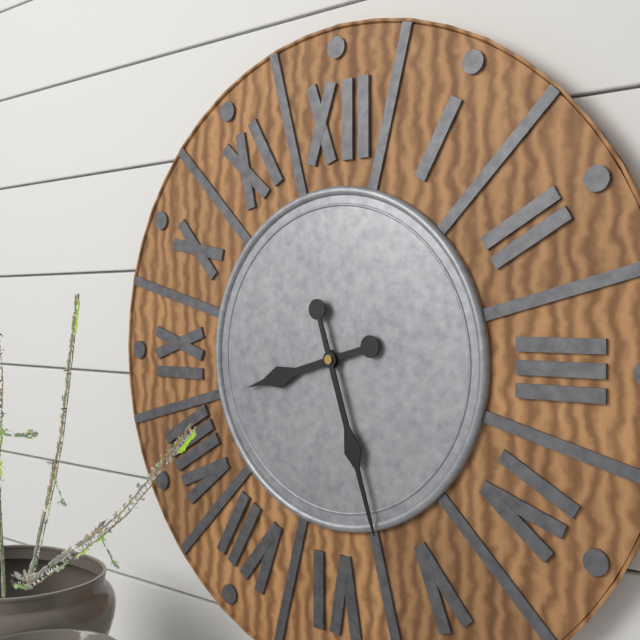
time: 8:27
